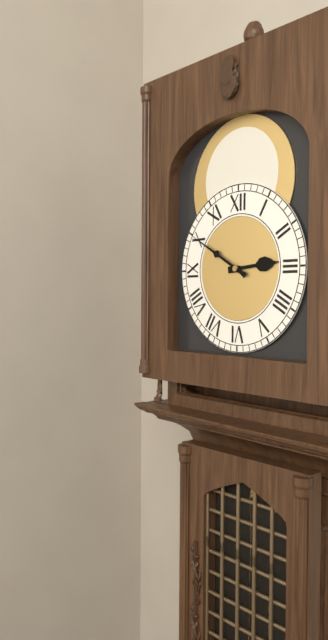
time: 2:50
